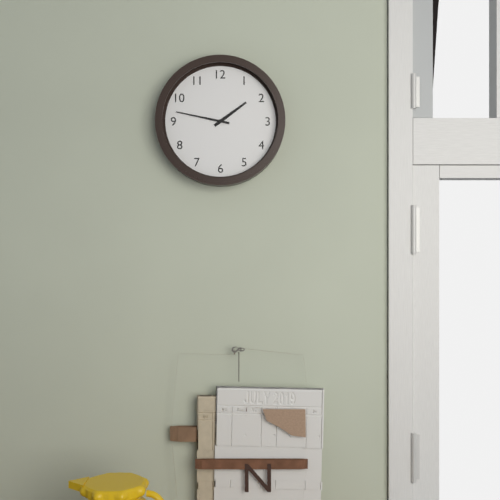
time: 1:47
